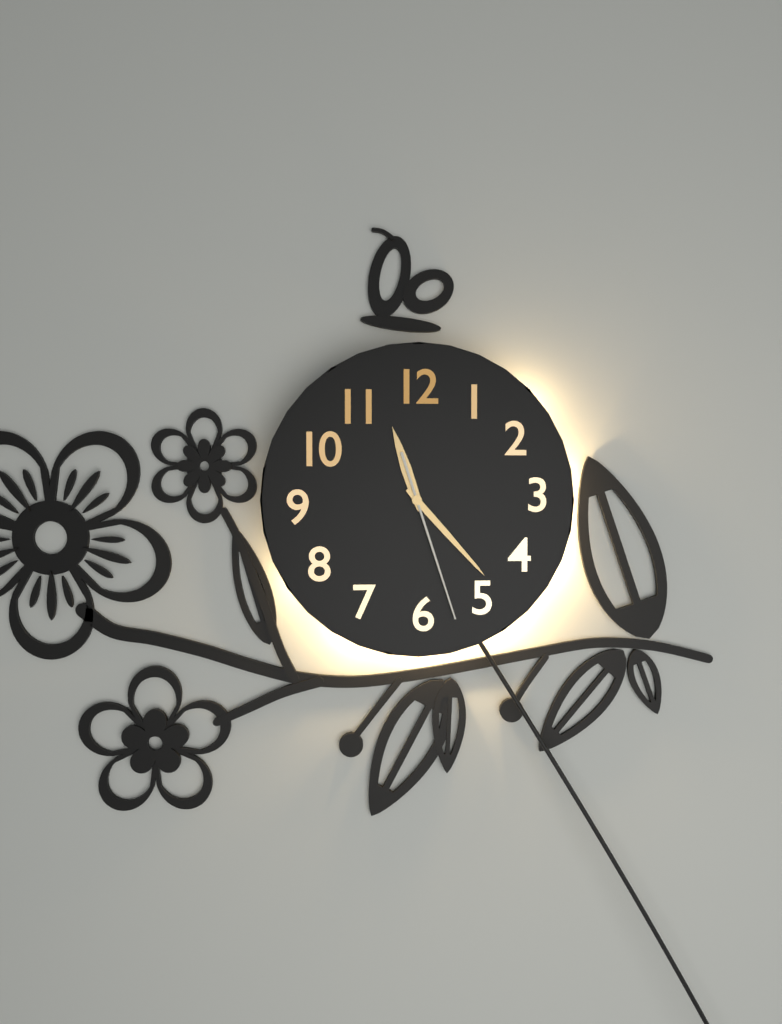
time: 11:23:27
